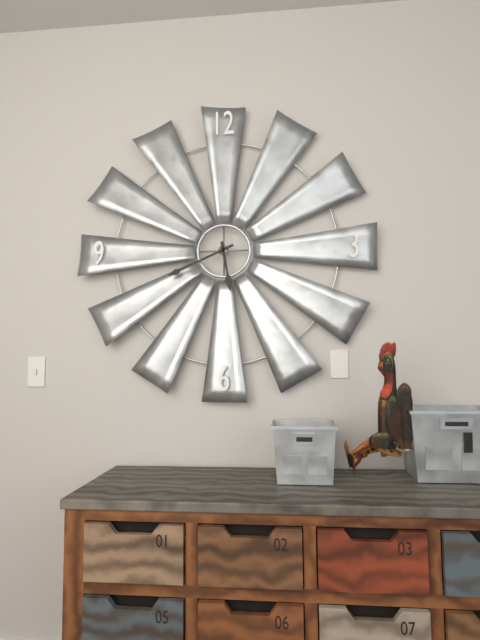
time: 5:41
